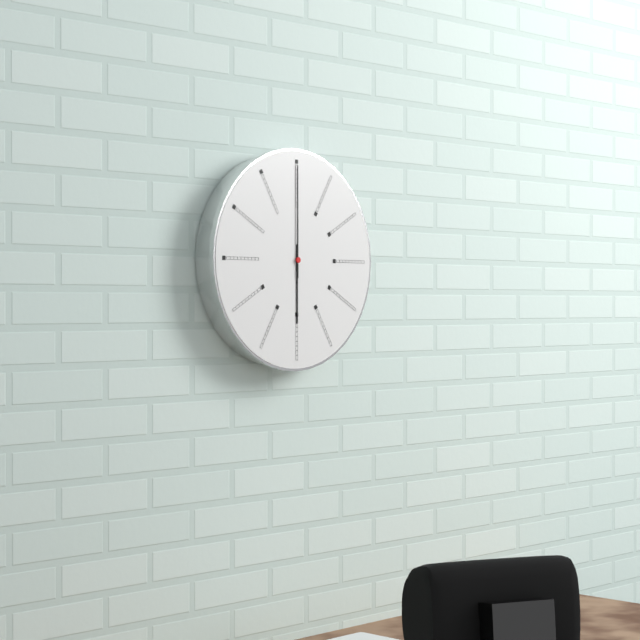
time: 6:00
